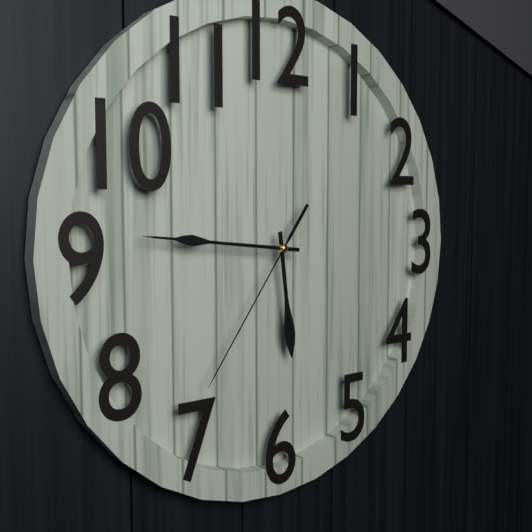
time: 5:46:36
